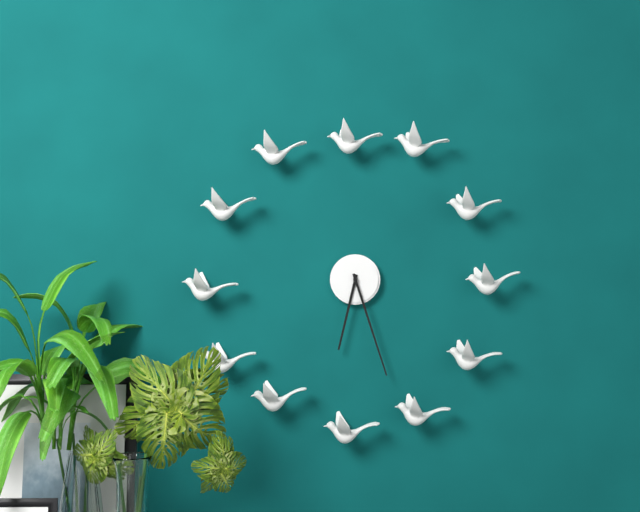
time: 6:27
